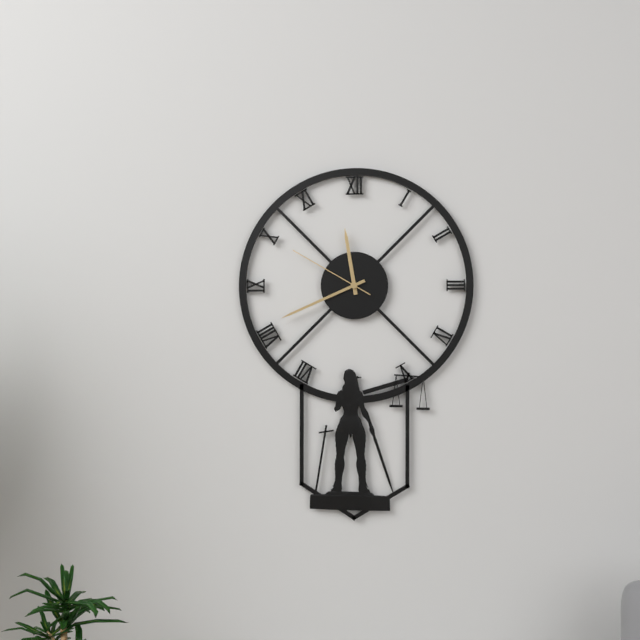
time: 11:41:50
